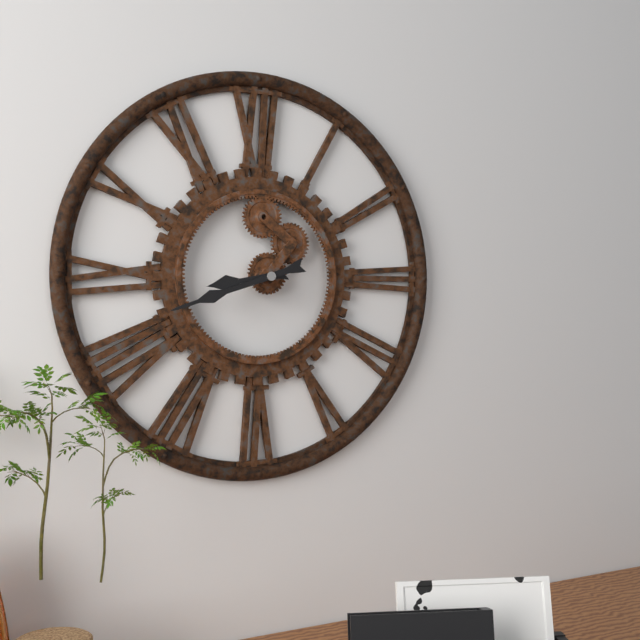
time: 8:42
